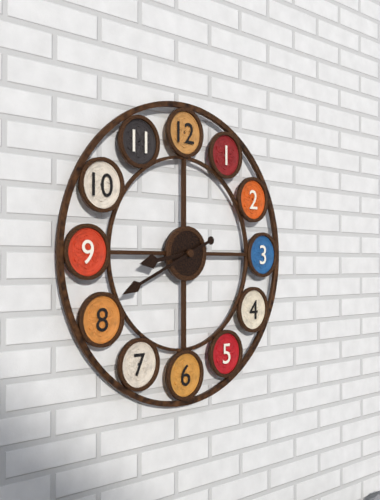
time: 8:41
